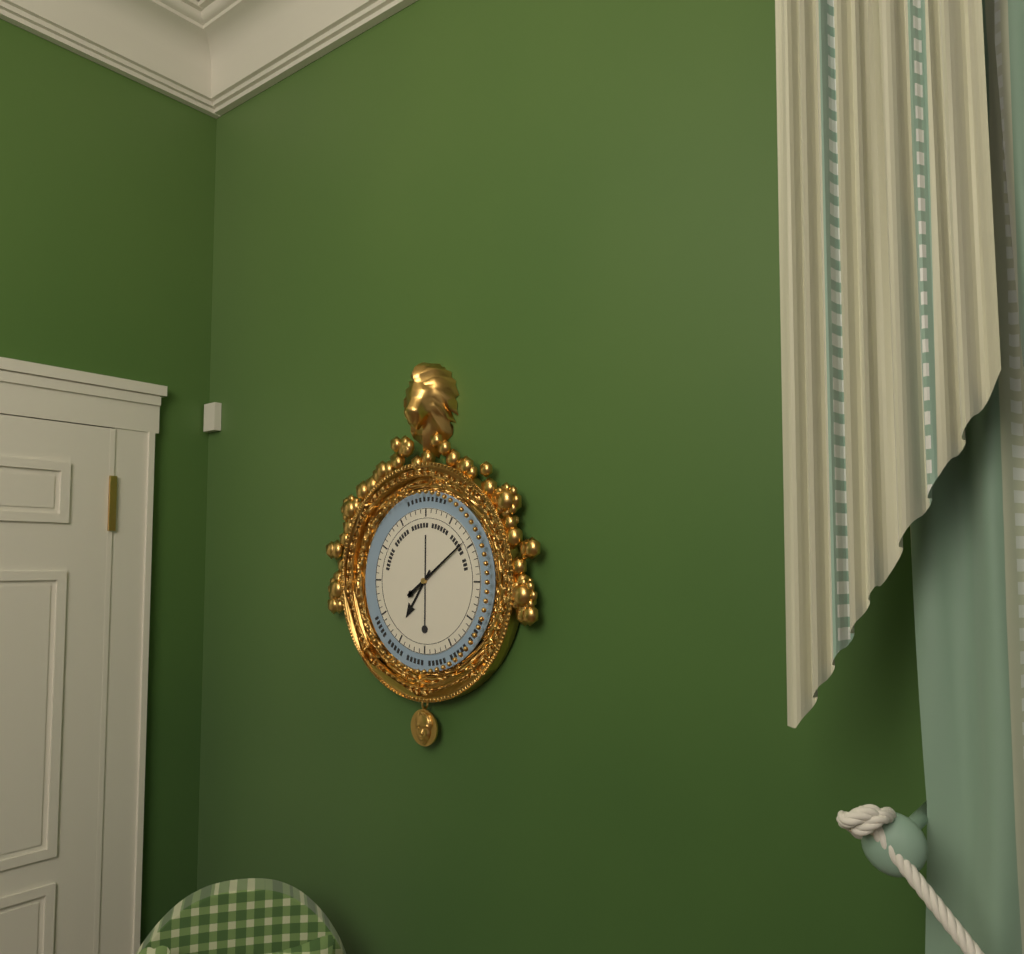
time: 7:09
